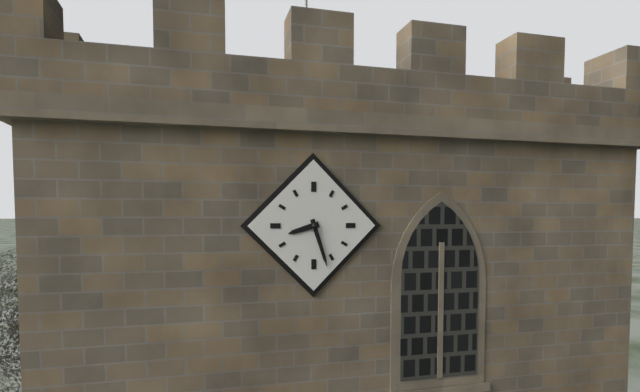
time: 8:27
